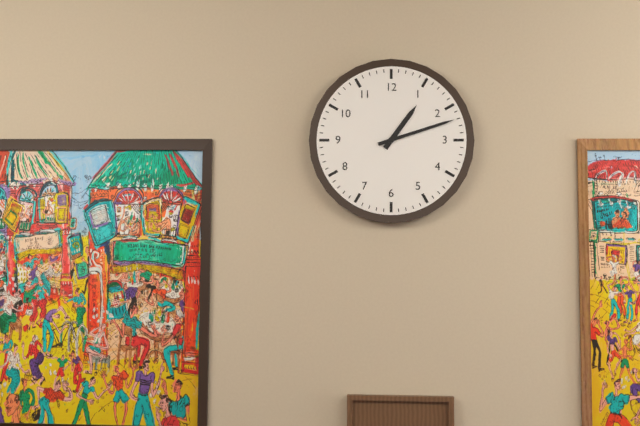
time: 1:12
